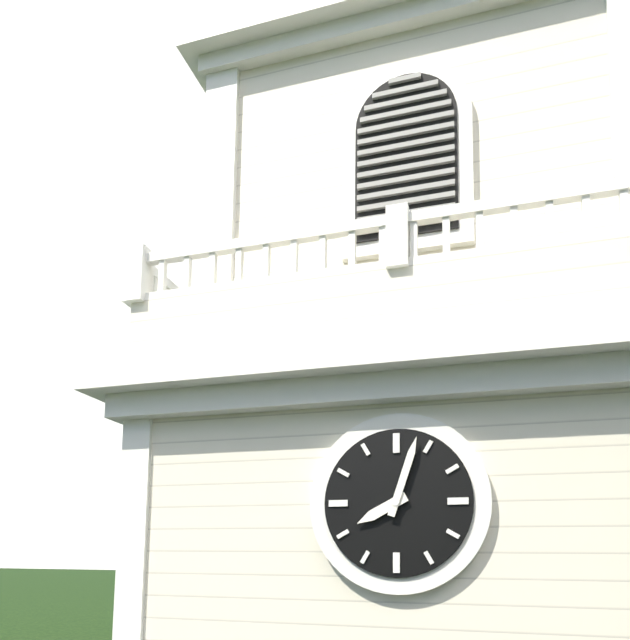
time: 8:03
